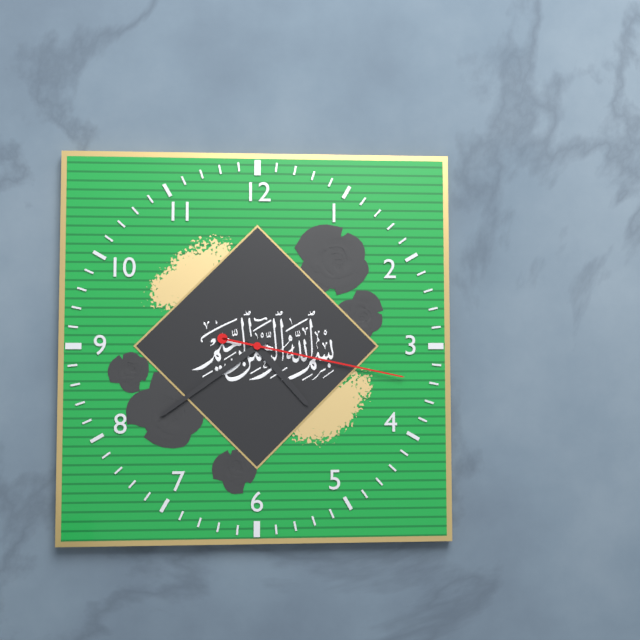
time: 4:39:17
